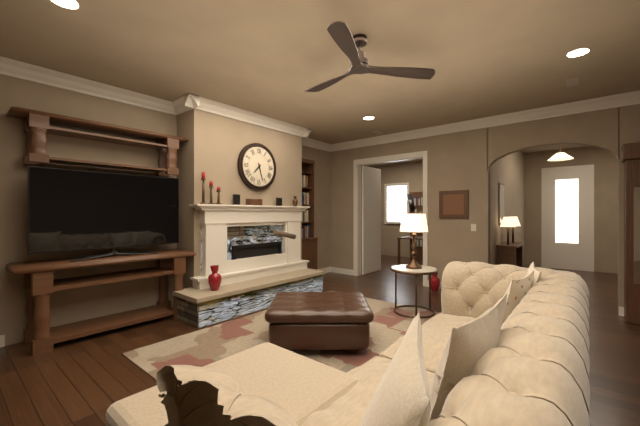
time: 7:27
